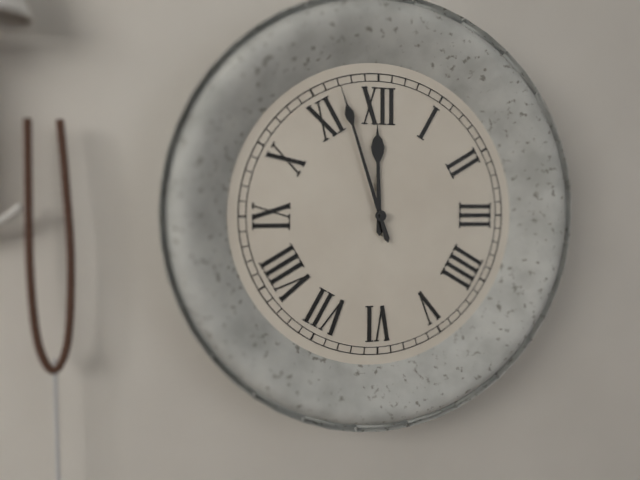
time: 11:57
